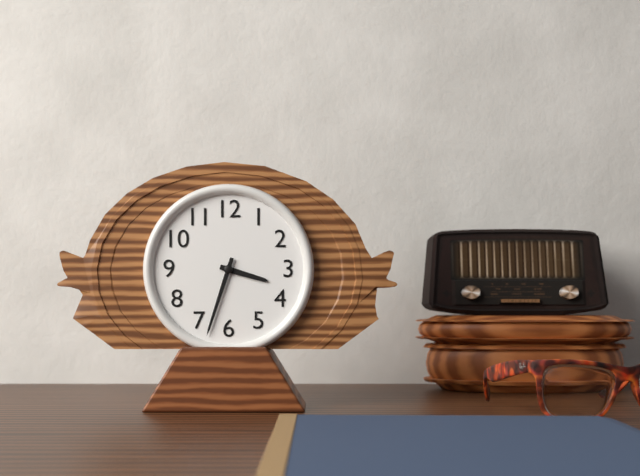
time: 3:33
